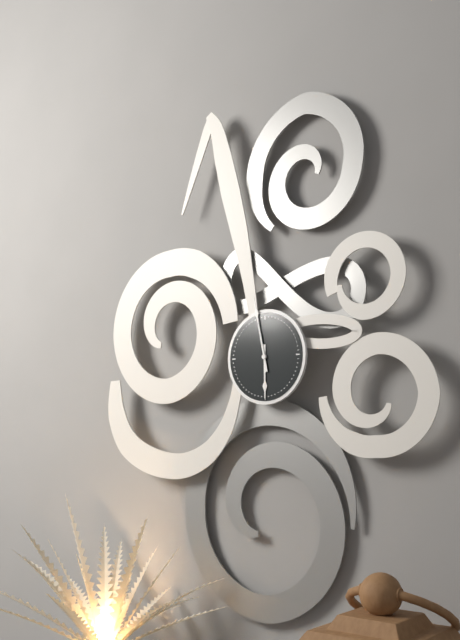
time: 5:58
